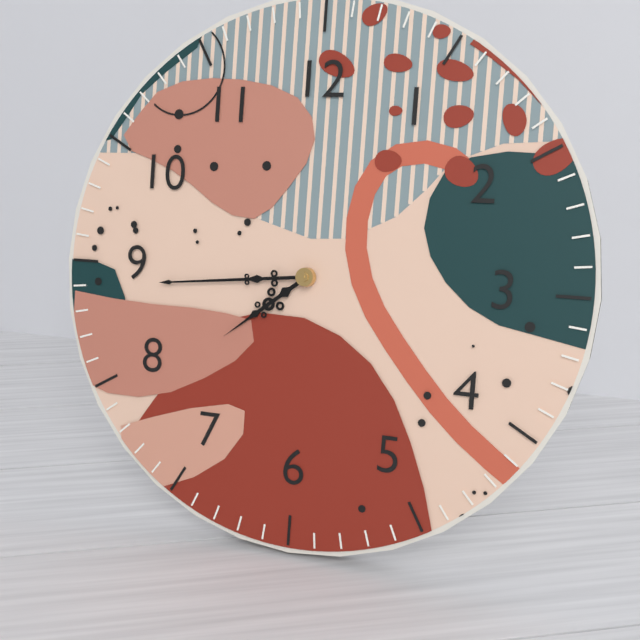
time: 7:44
